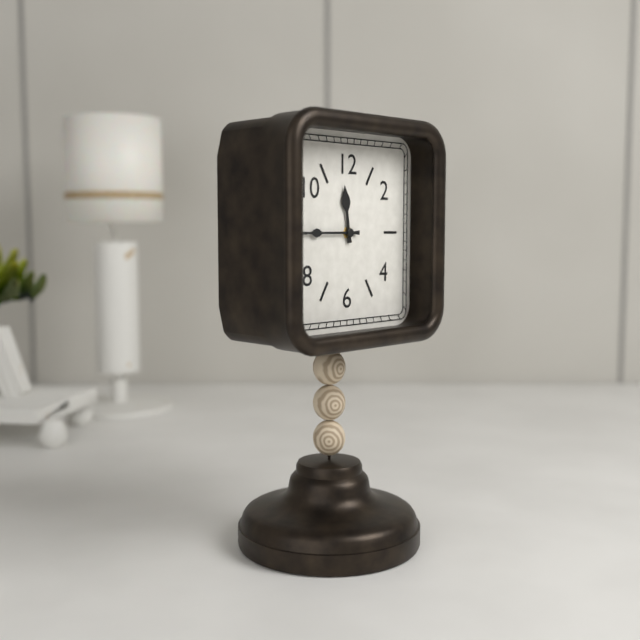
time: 11:45
